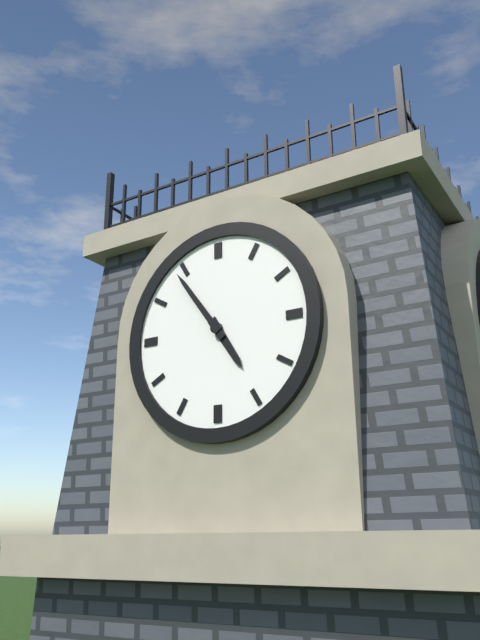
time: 4:54
